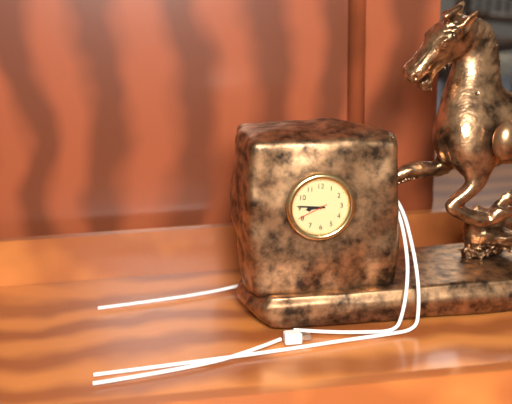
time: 8:46
